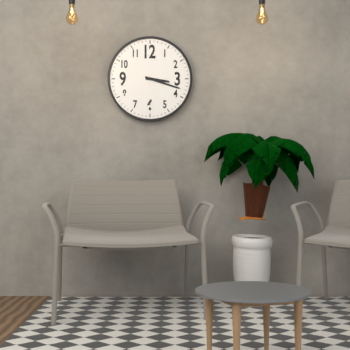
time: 3:18
